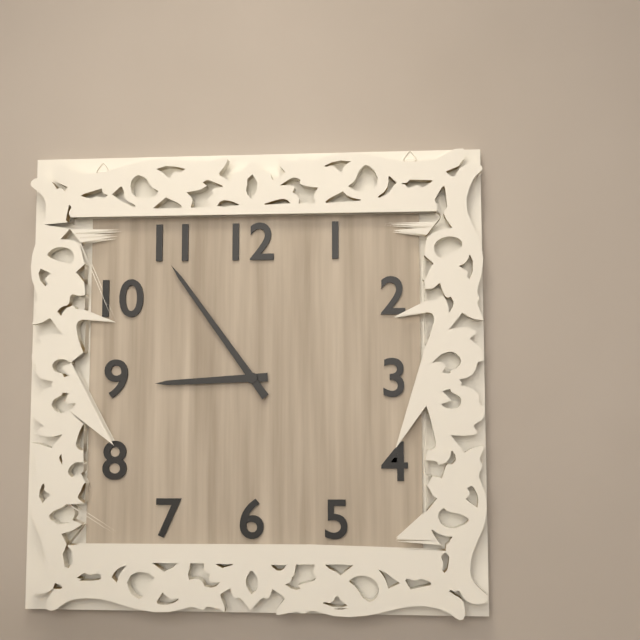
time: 8:54
